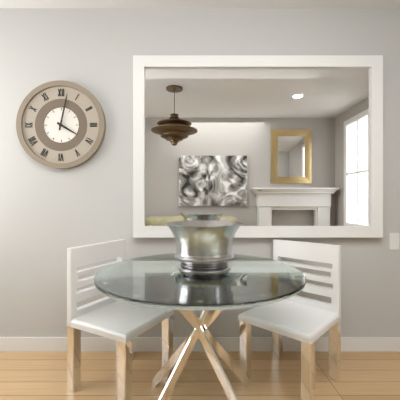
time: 4:02
